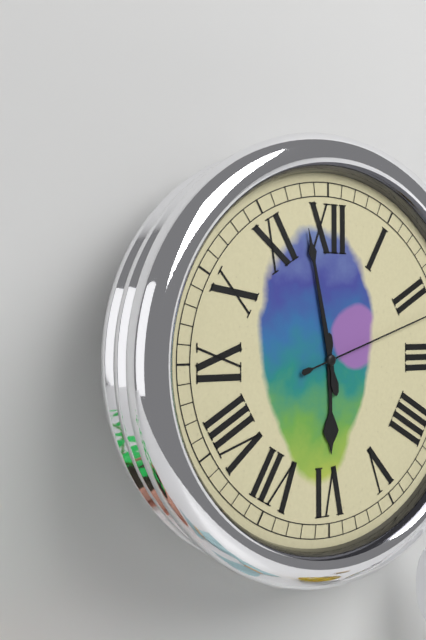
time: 5:58
